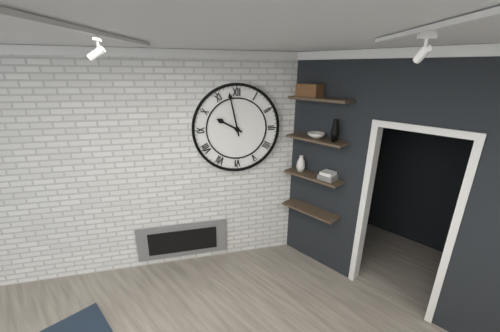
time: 9:58
